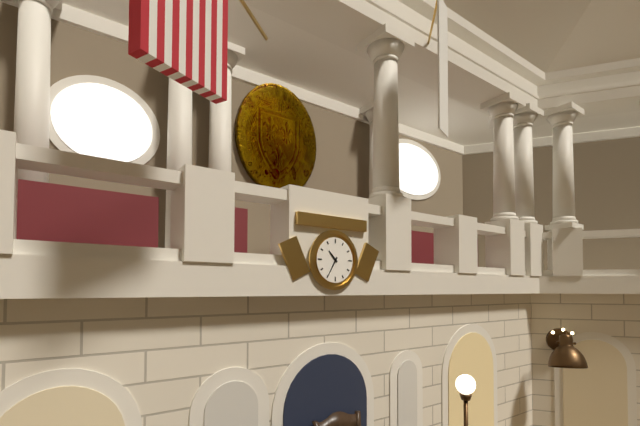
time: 10:35
